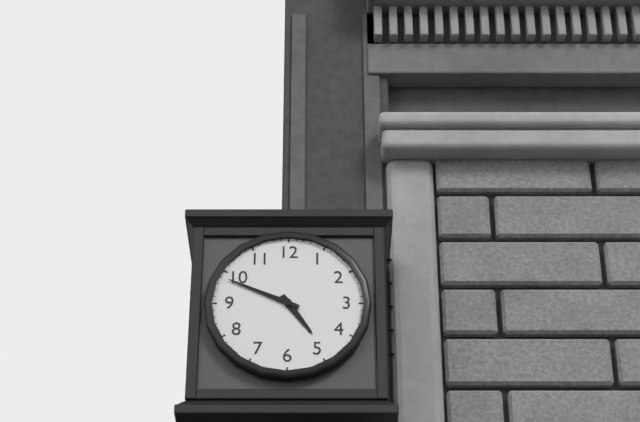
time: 4:49
